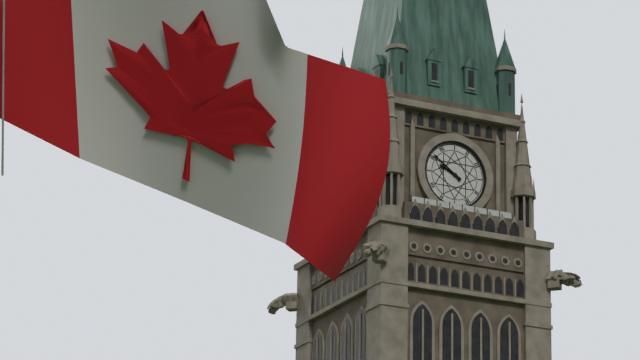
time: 9:51
